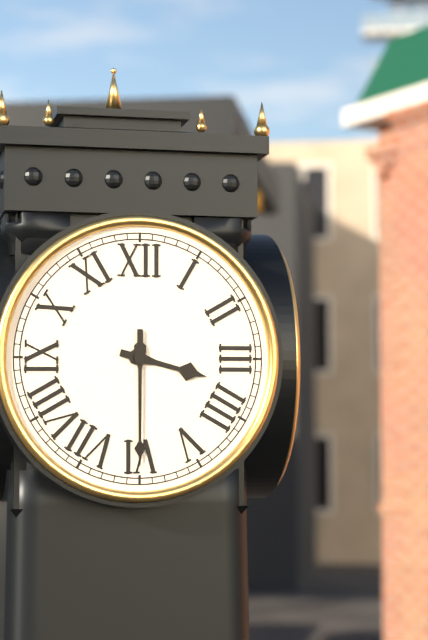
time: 3:30
